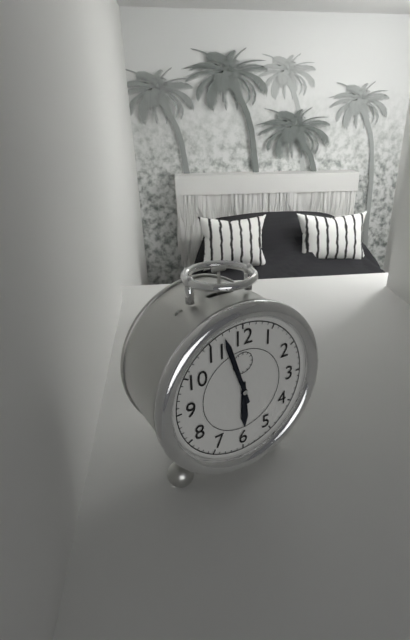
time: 5:57
